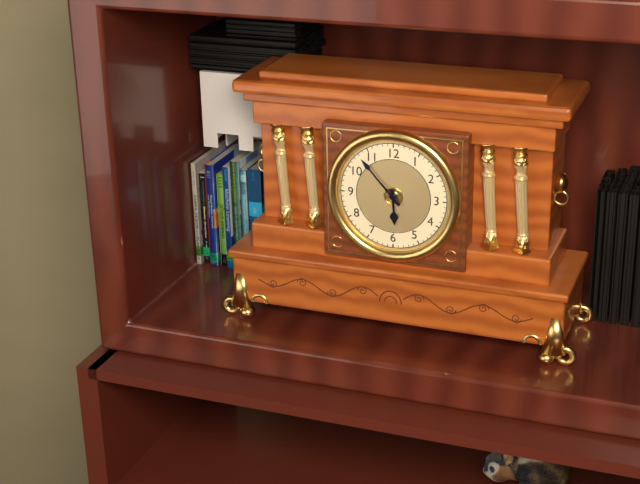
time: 5:53
